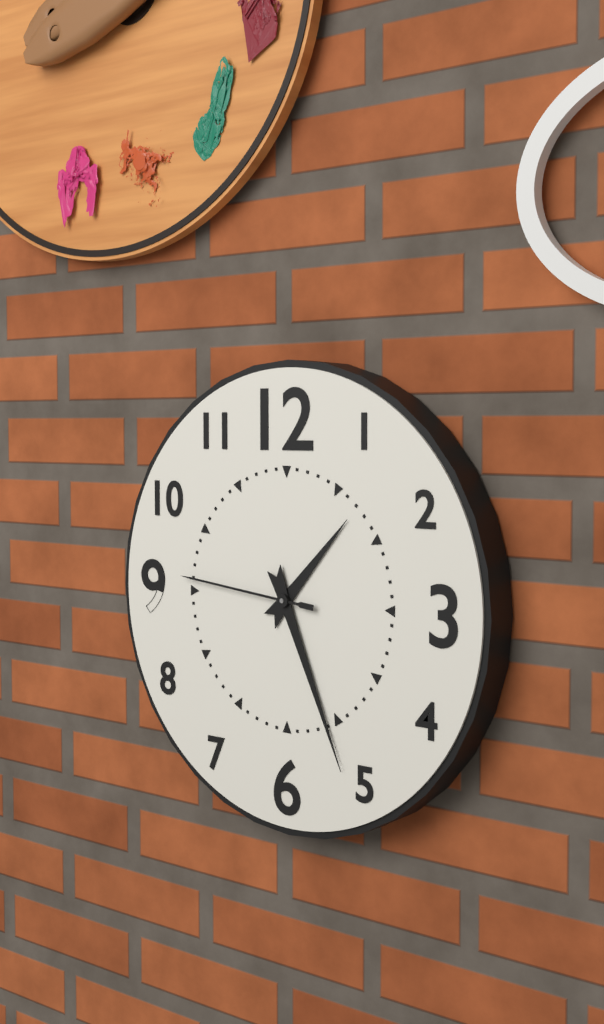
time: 1:26:46
